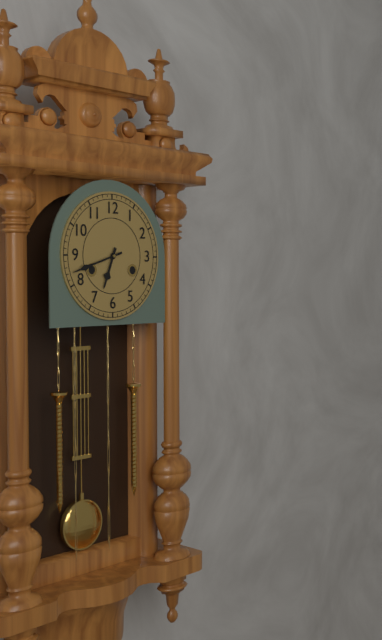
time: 6:42
